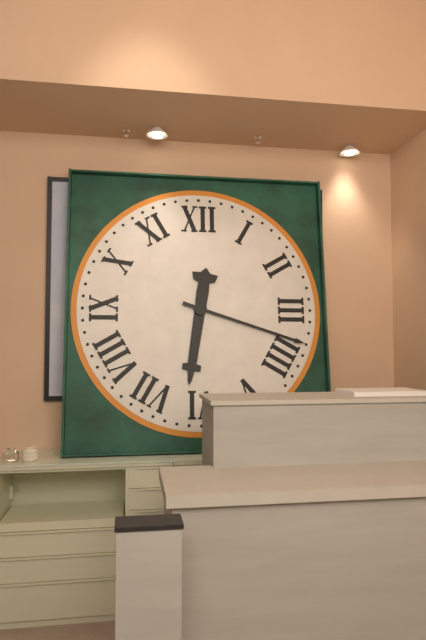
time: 6:18
